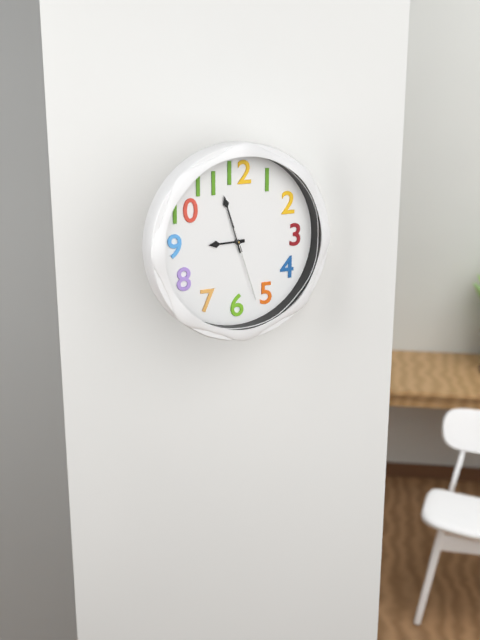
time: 8:57:27
